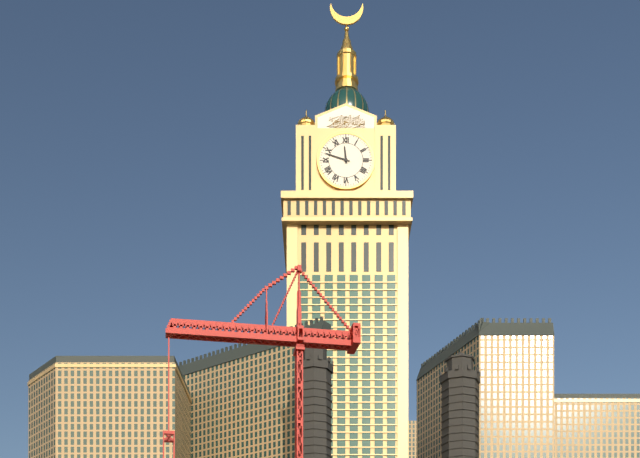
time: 11:48
